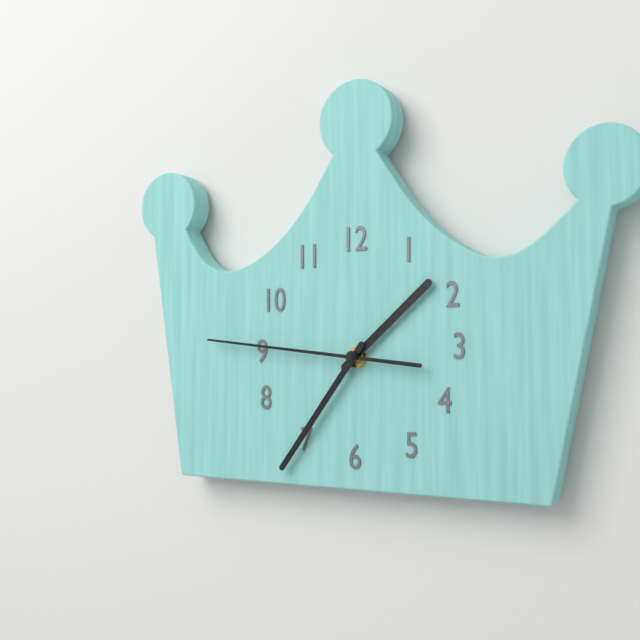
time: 1:36:46
